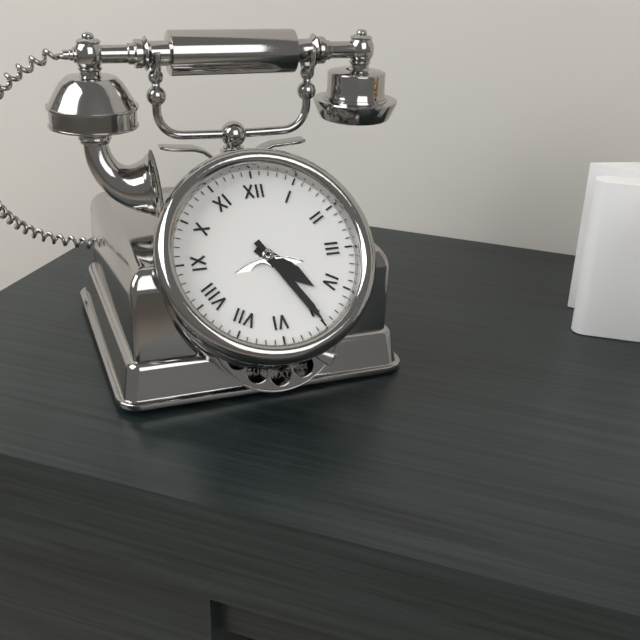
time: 4:25
